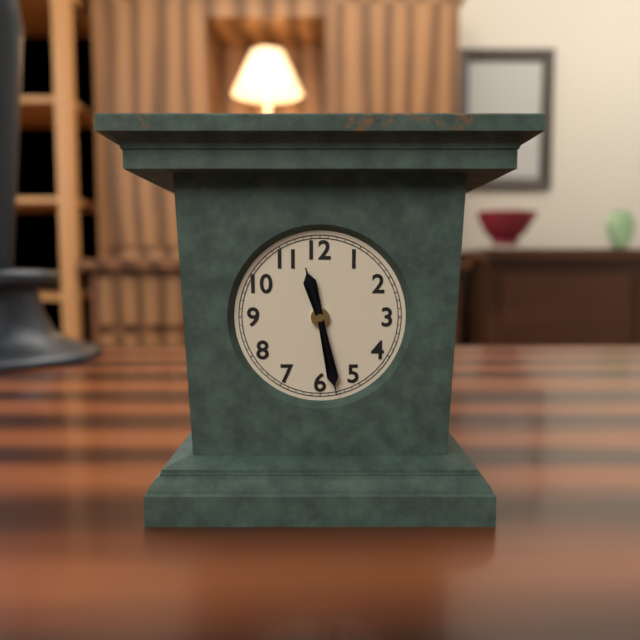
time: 11:28
